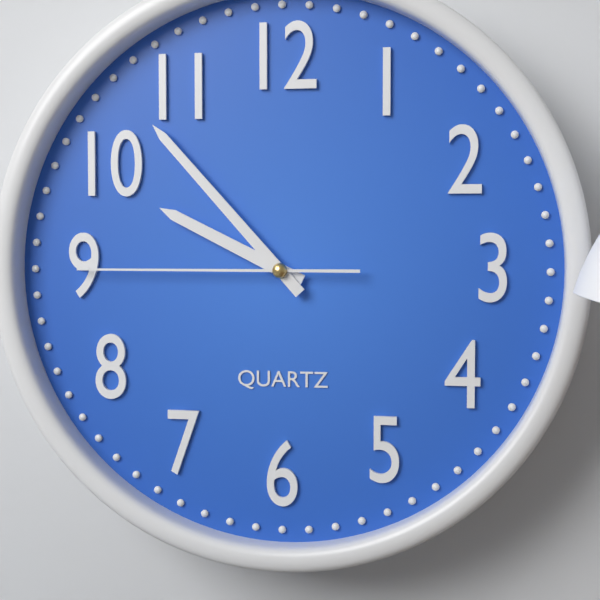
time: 9:53:45
